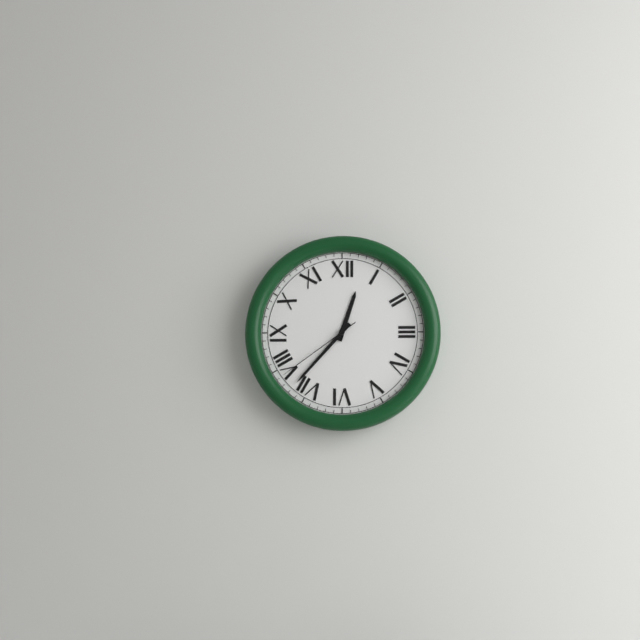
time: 12:37:39
